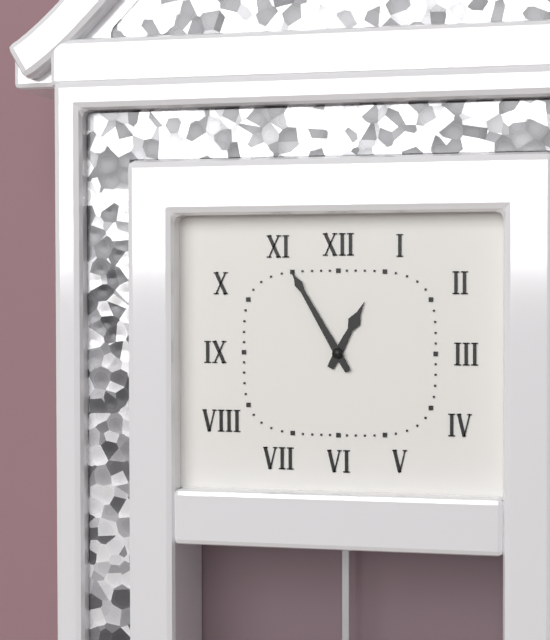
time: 12:55
